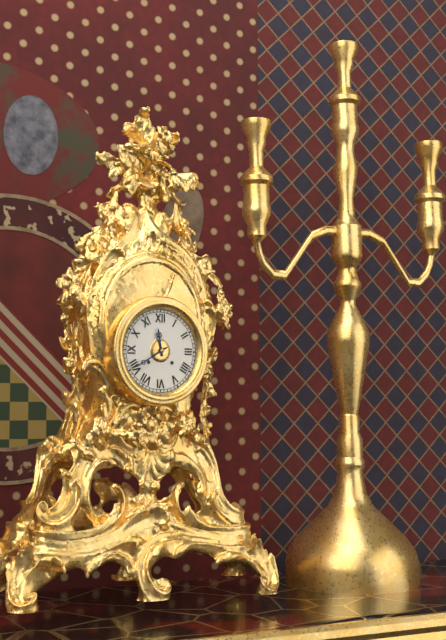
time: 11:40
